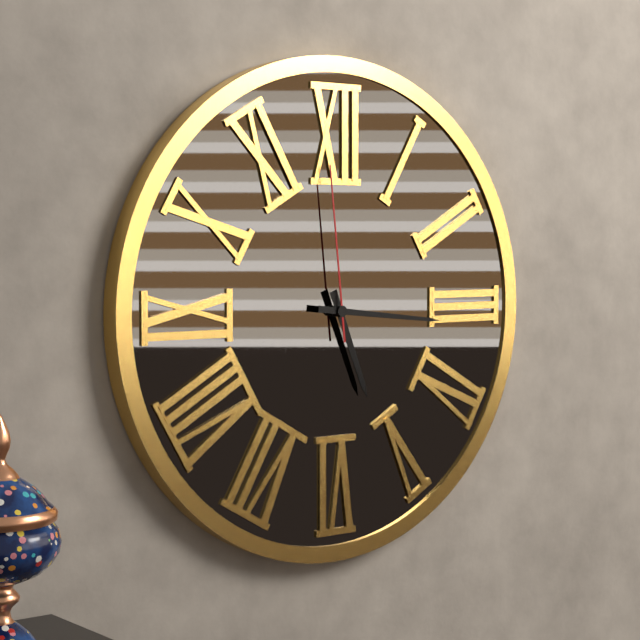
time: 5:16:59
